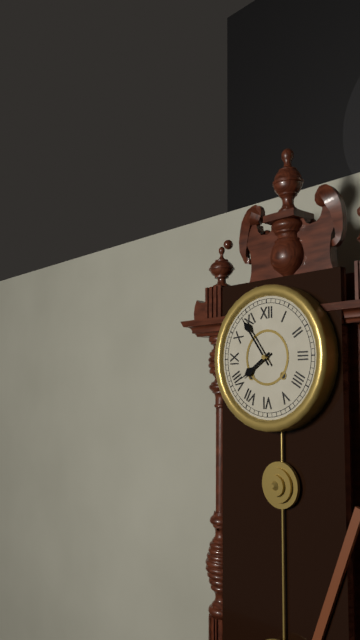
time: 7:54
